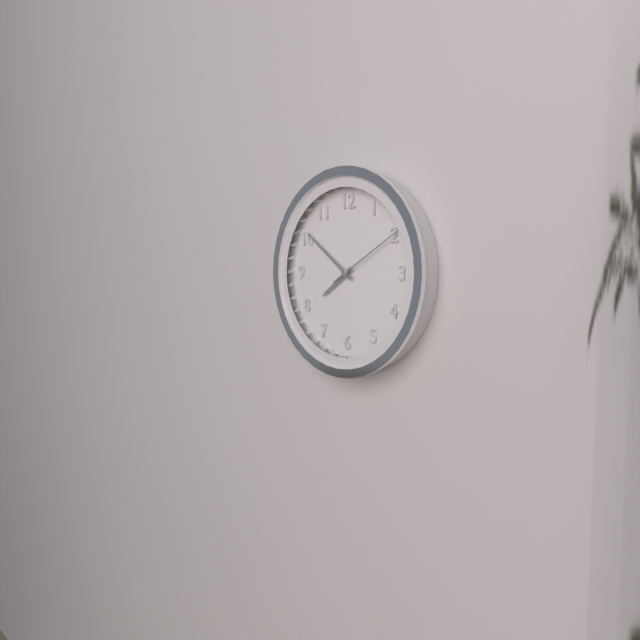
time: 7:51:10
